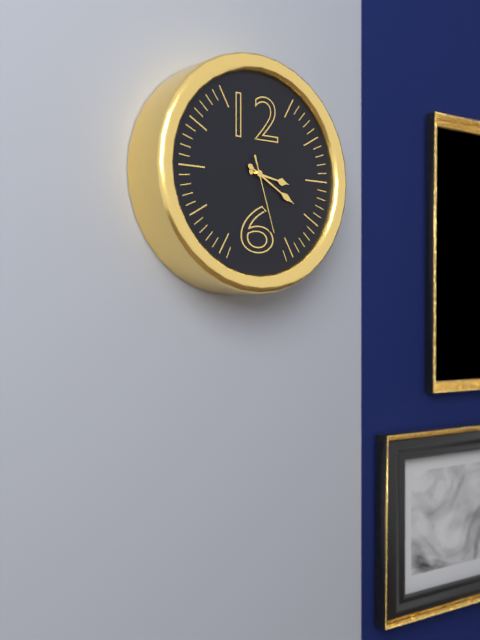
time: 3:20:27
